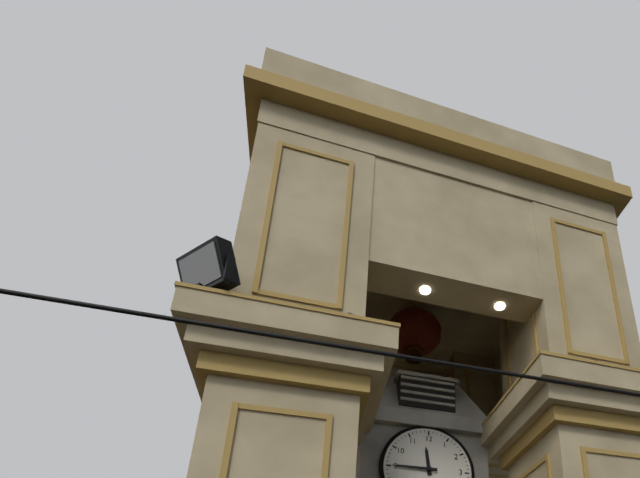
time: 11:45
